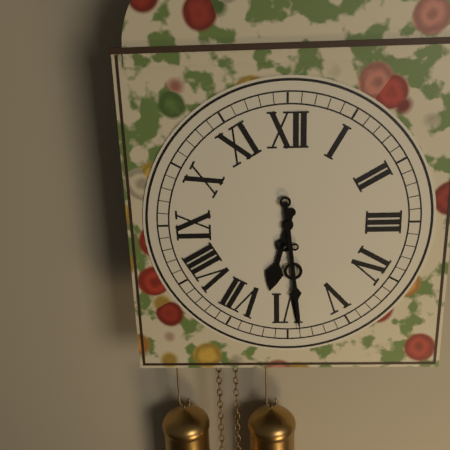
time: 6:29
